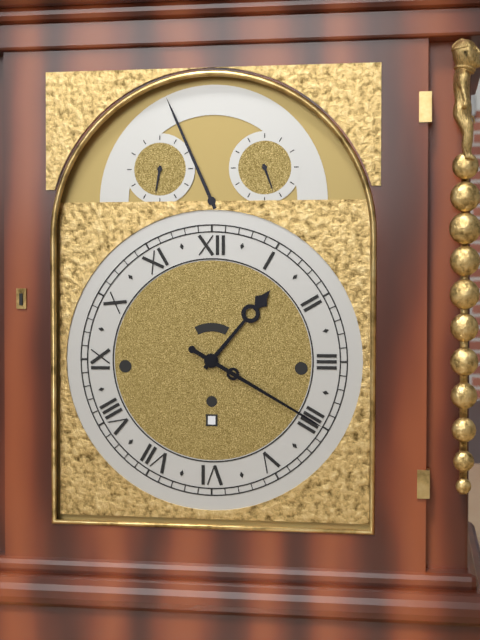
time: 1:20
